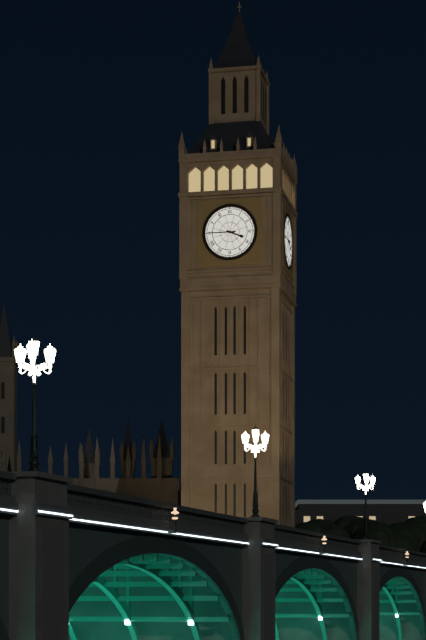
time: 3:45
